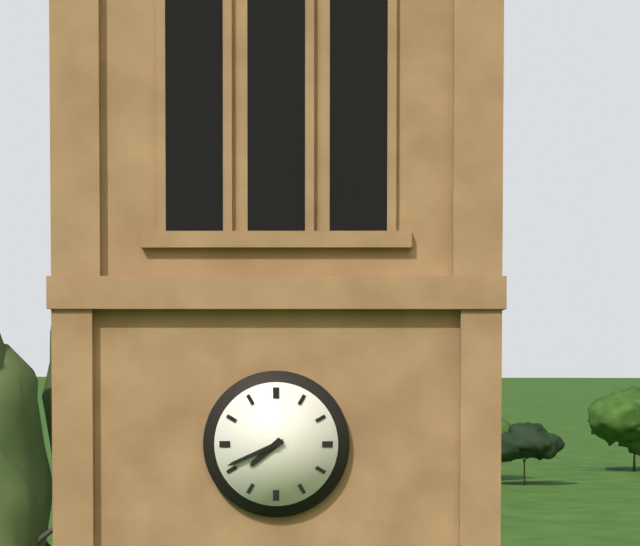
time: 7:41
